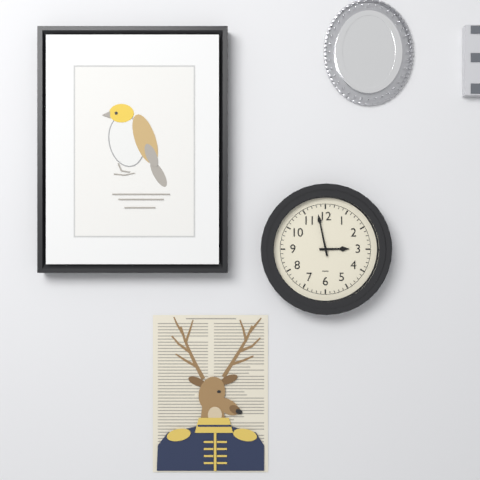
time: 2:58
